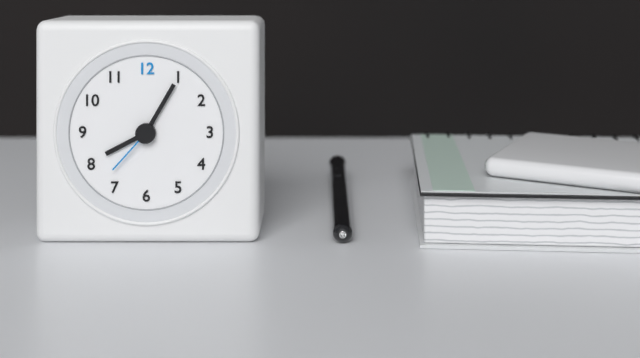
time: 8:05:37
